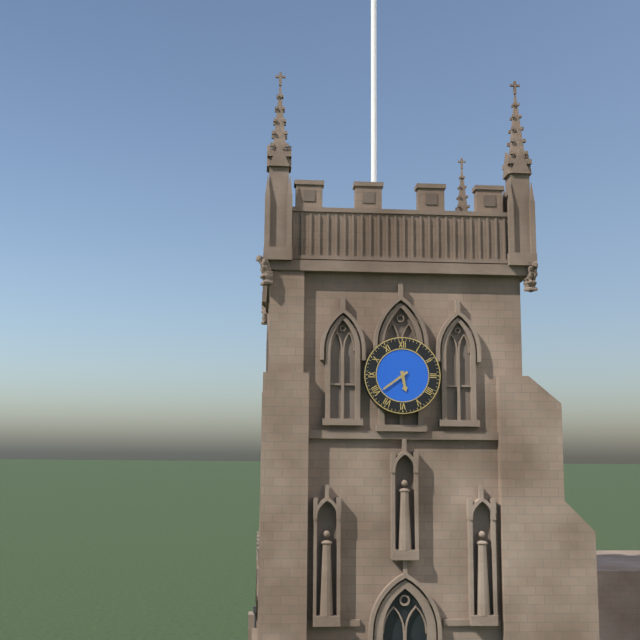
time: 5:39
